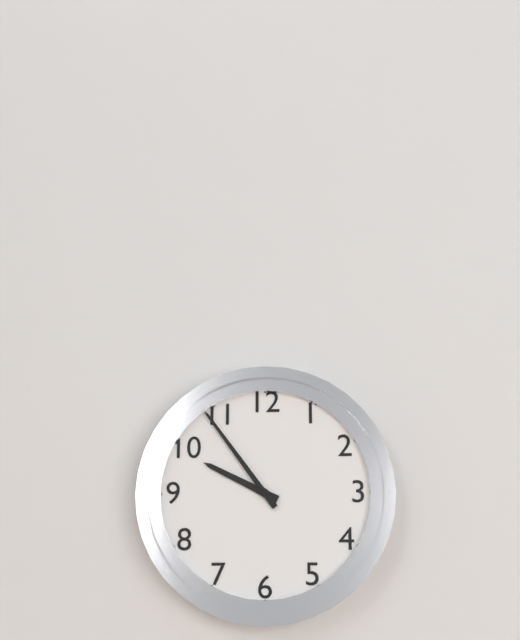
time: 9:54
